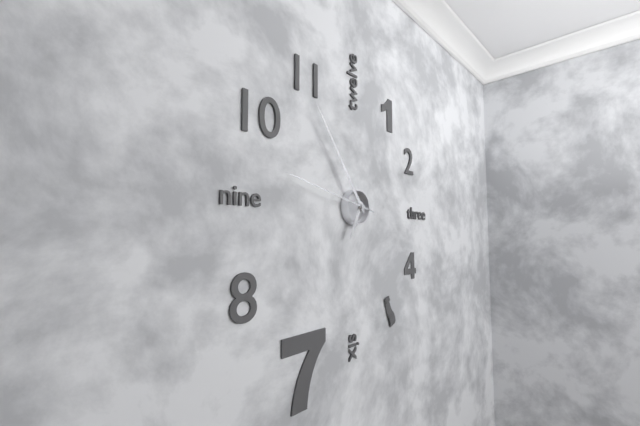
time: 6:54:47
